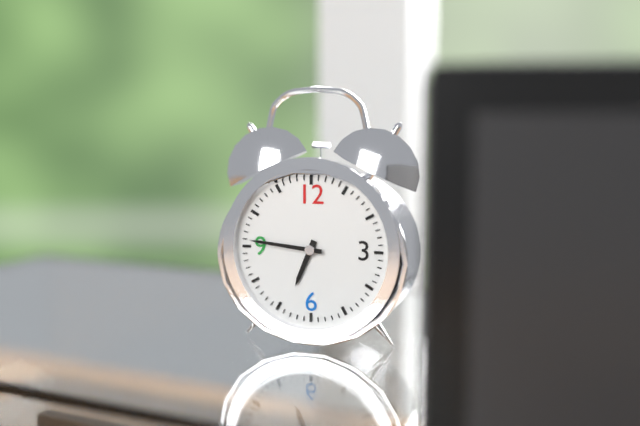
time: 6:46
